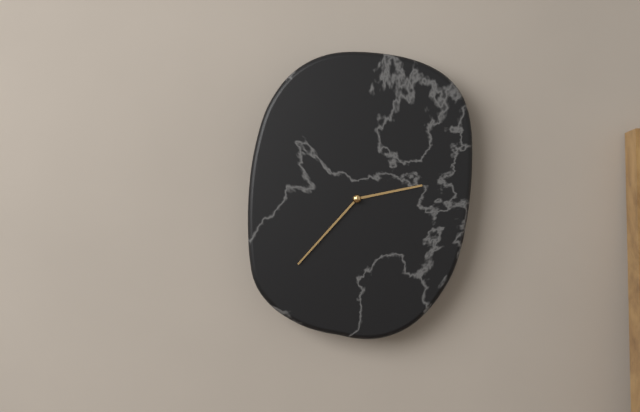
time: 2:37
